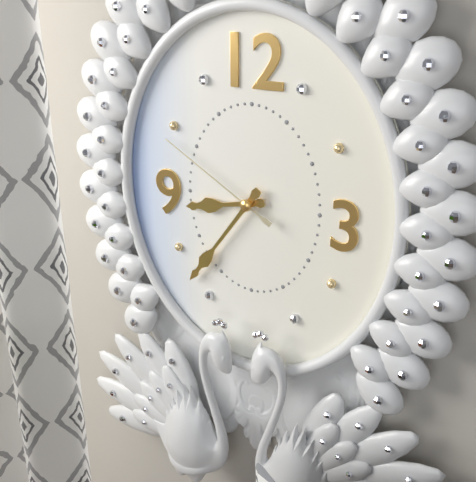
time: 8:36:50
